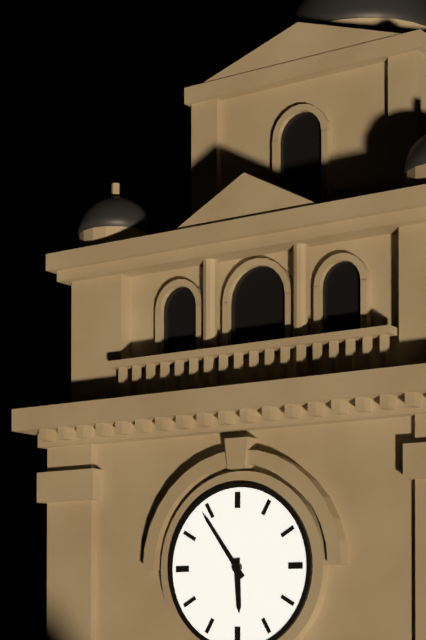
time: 5:54
